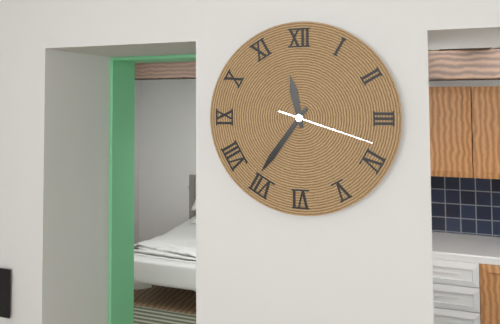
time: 11:36:18
